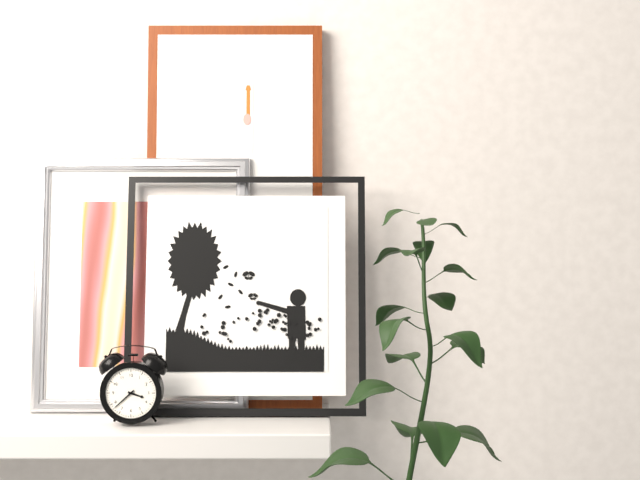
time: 3:38
